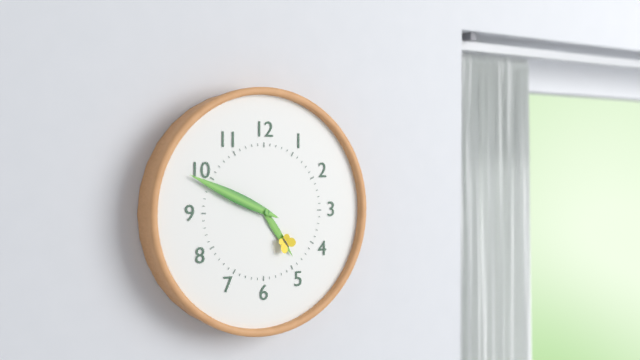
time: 4:49
